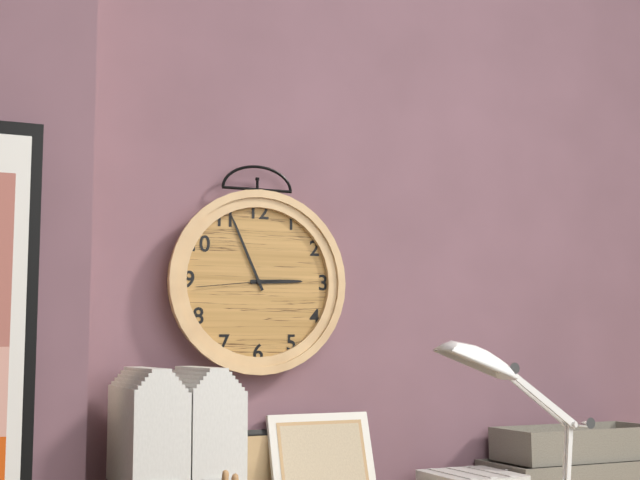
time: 2:56:44
